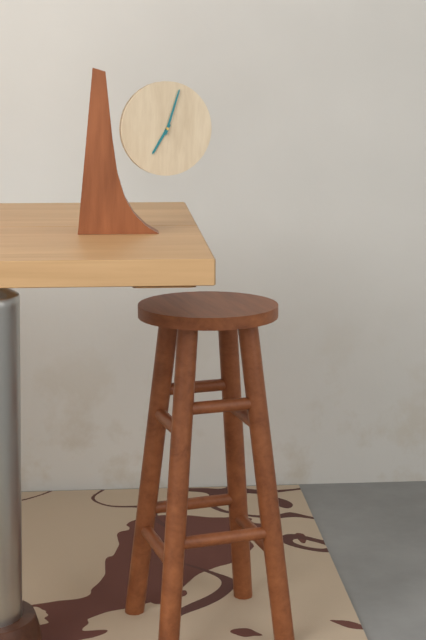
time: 7:03
